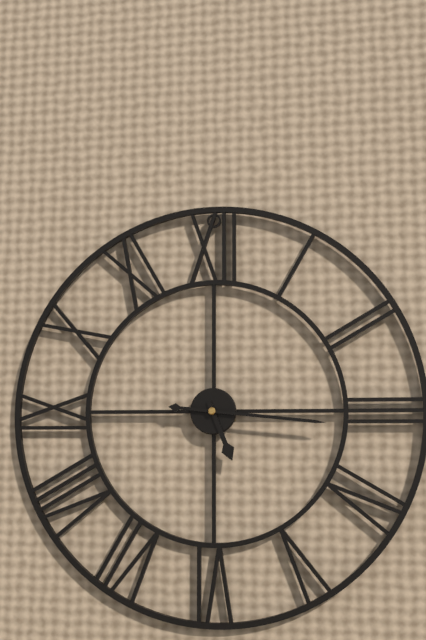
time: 5:16
